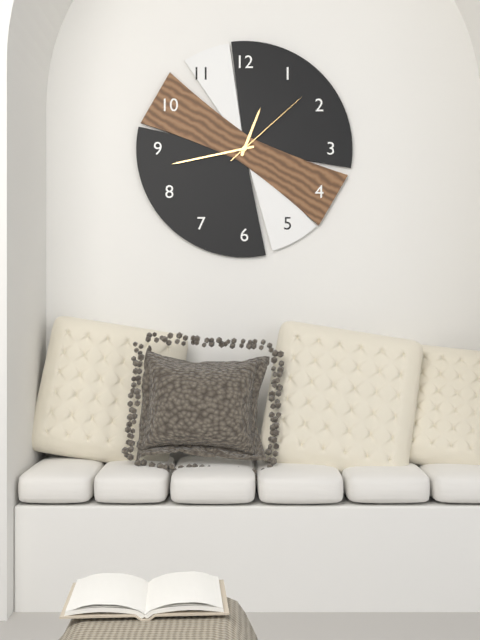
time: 12:43:08
